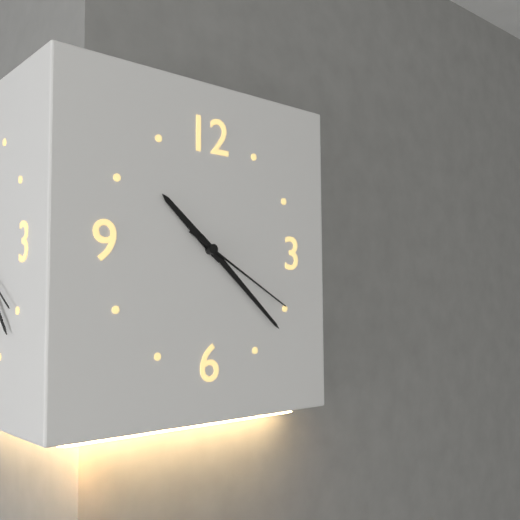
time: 10:22:20
